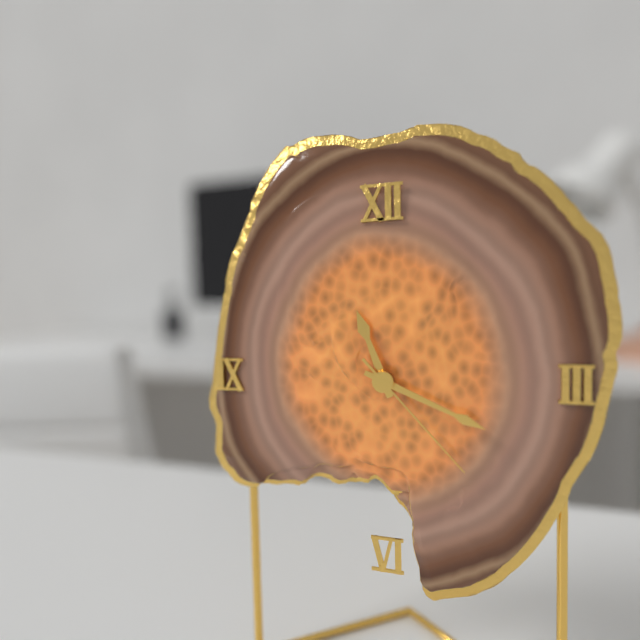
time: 11:19:23
